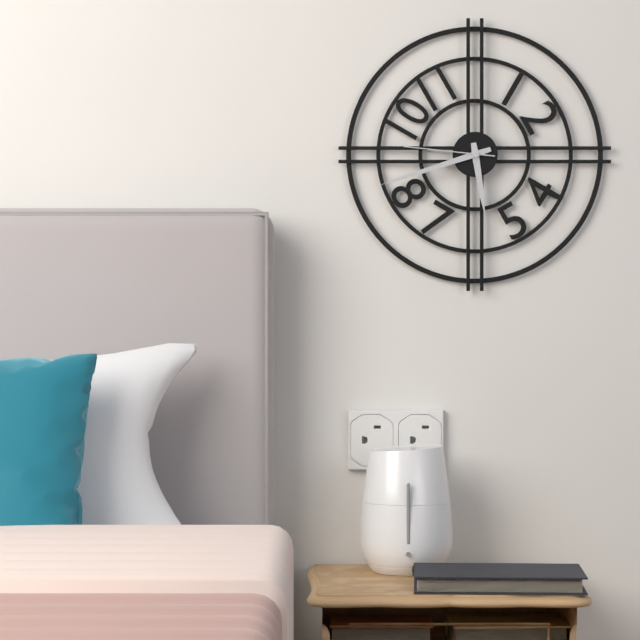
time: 5:42:46
